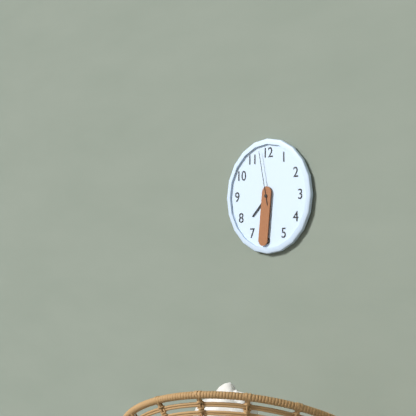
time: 7:31:58
